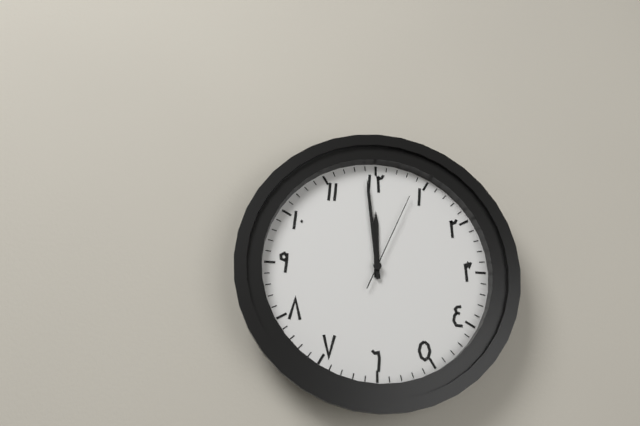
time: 11:59:04
